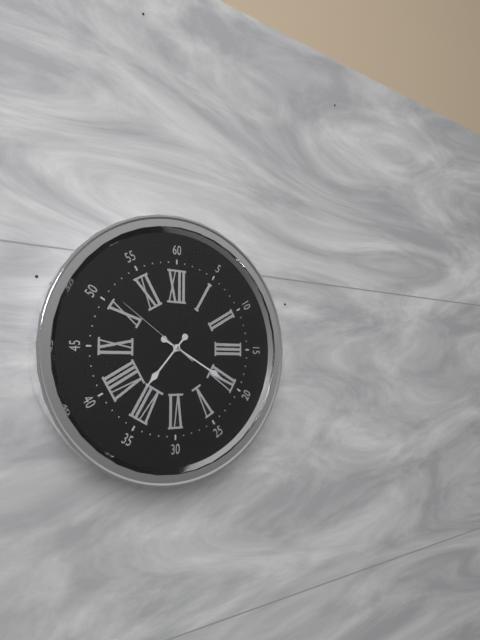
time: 7:20:51
